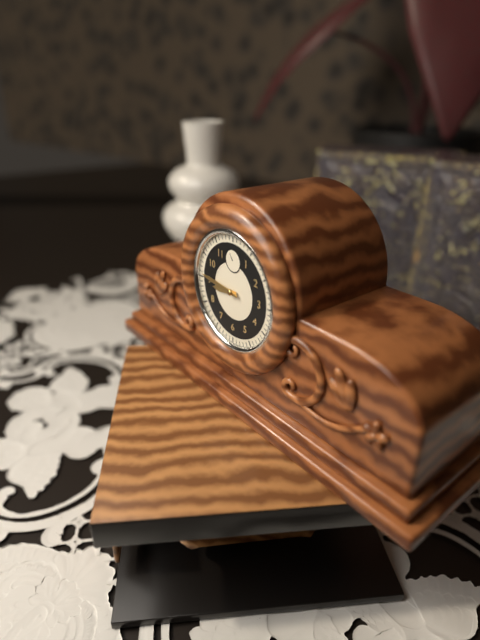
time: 8:46
